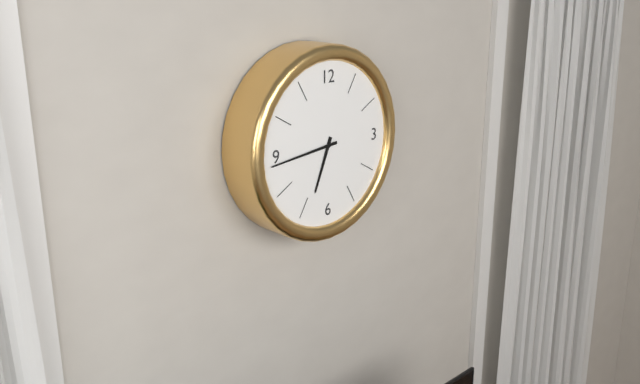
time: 6:44
